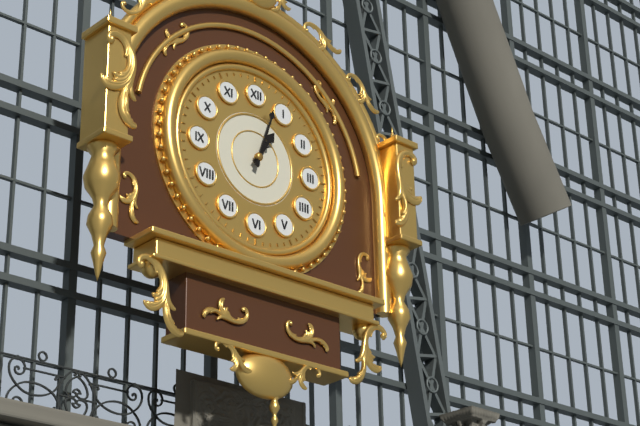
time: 1:03
